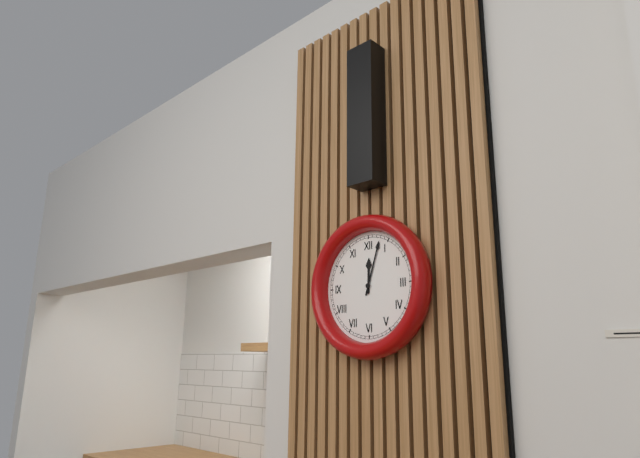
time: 12:03
